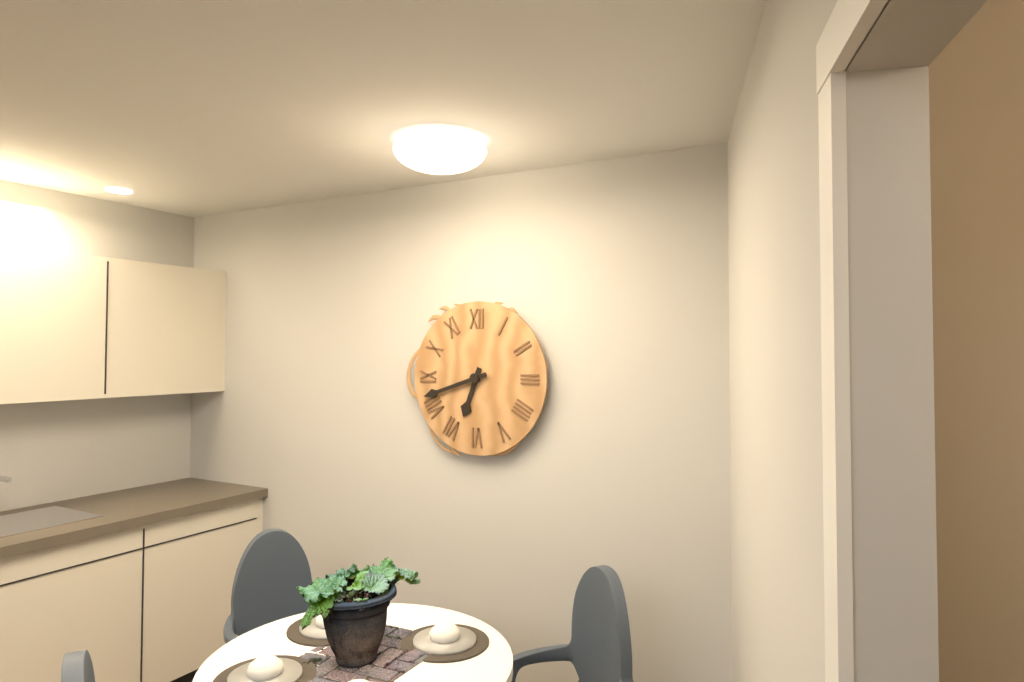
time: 6:42
